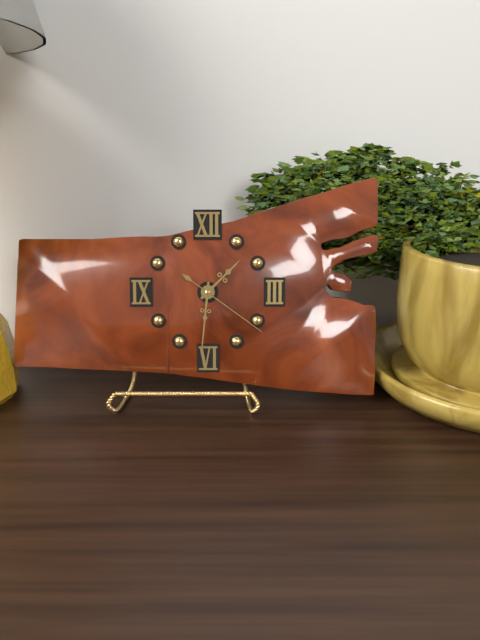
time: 1:31:21
